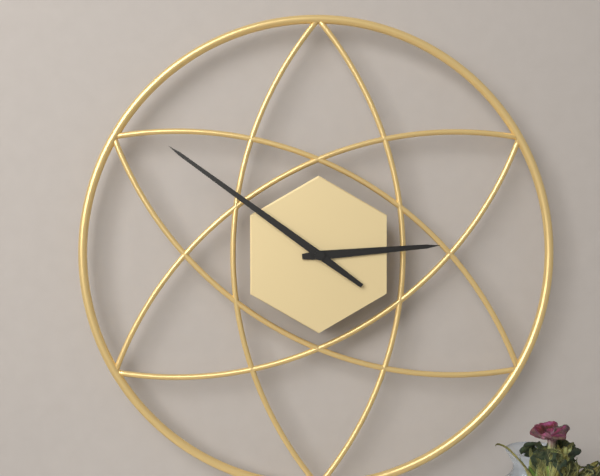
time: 2:51
